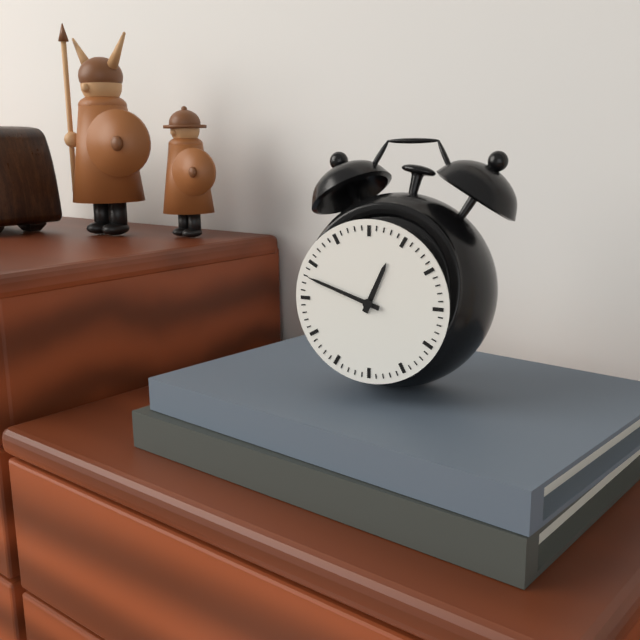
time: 12:48
